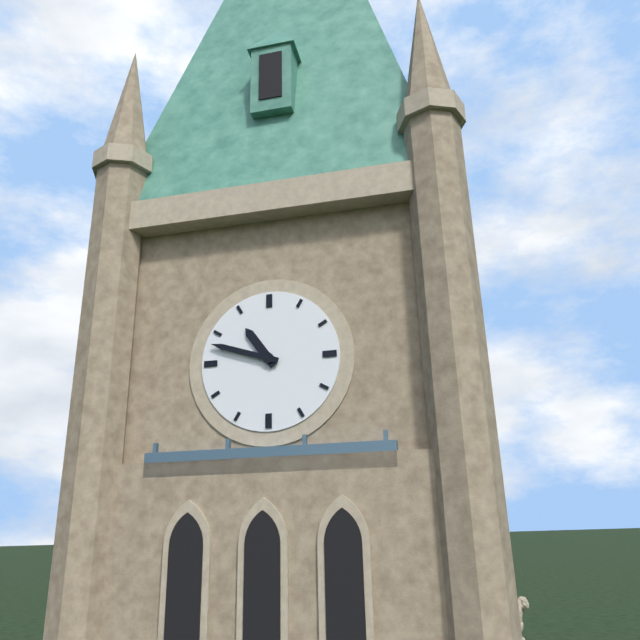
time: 10:48
